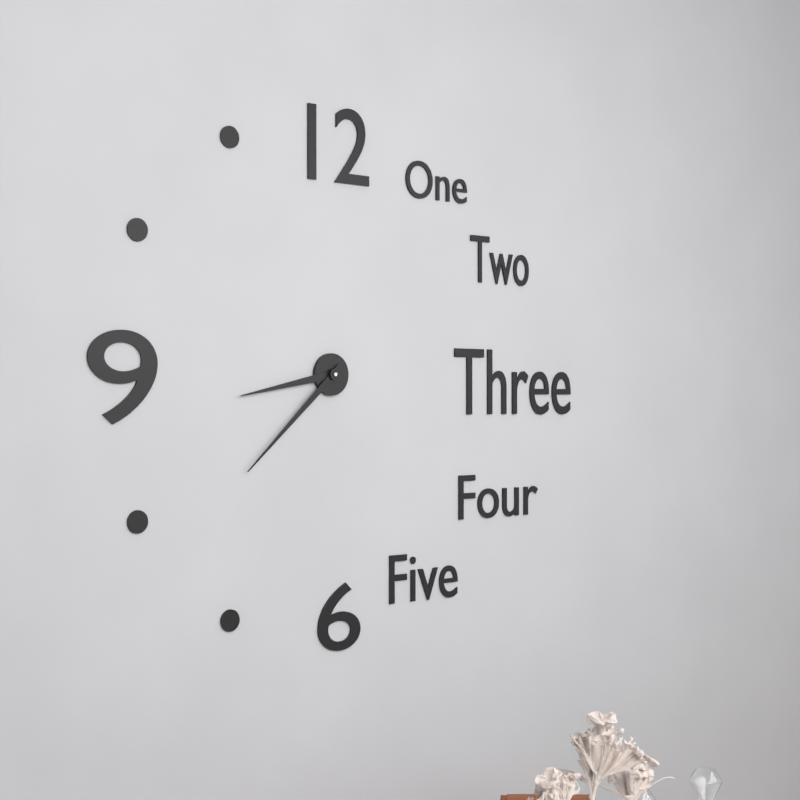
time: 8:38
